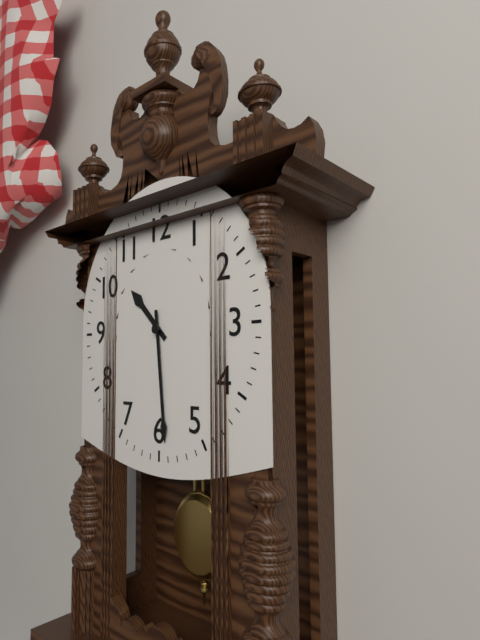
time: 10:29
